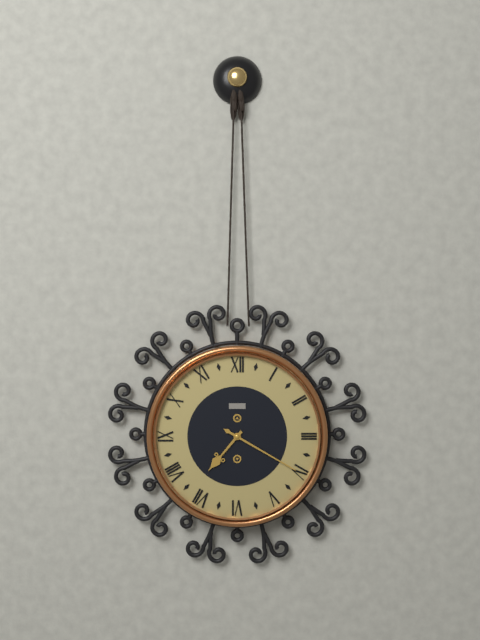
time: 7:20
